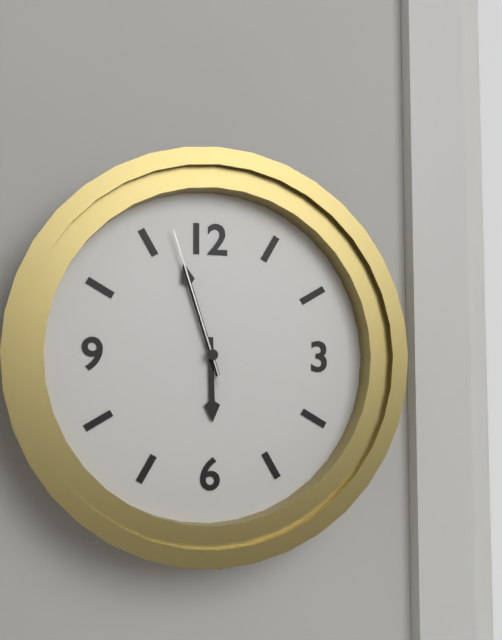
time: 5:57:57
